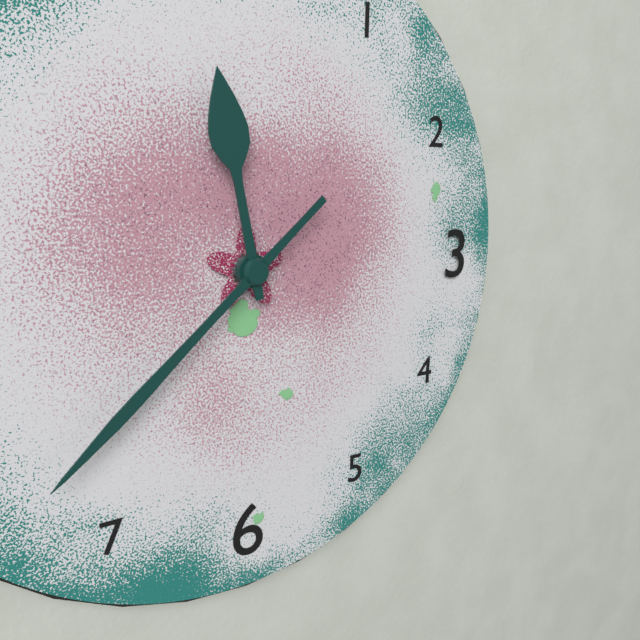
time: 11:38
